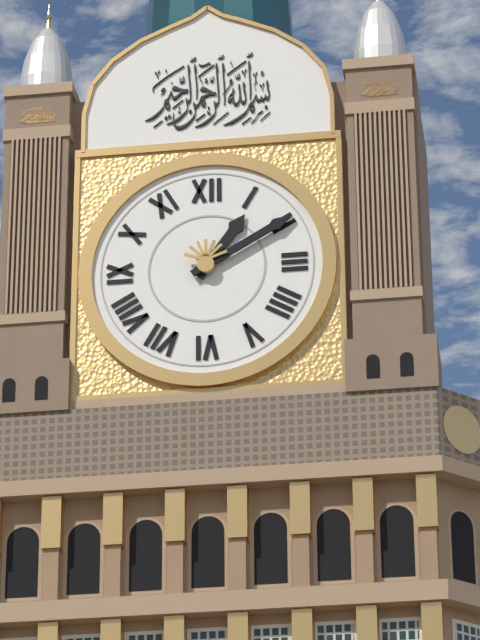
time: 1:10
